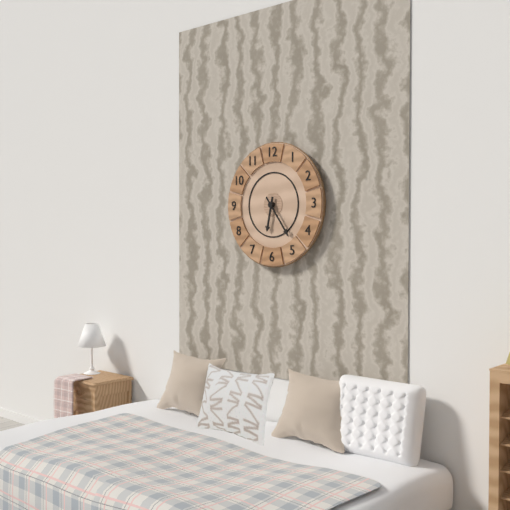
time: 6:24
